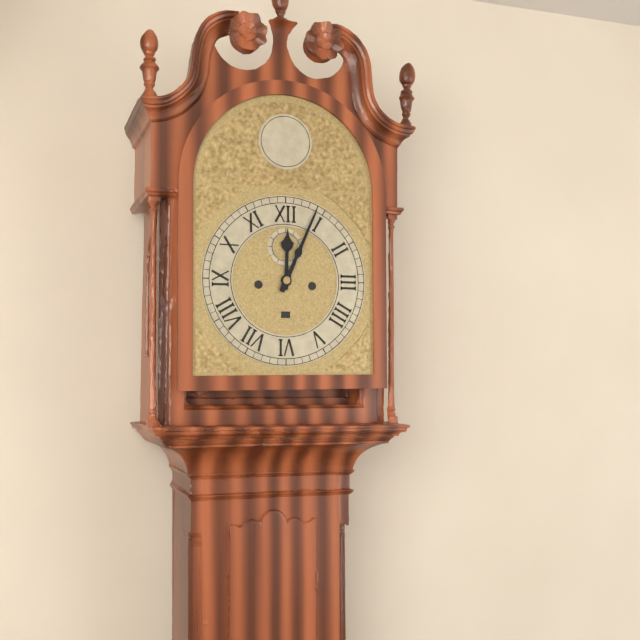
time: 12:04
